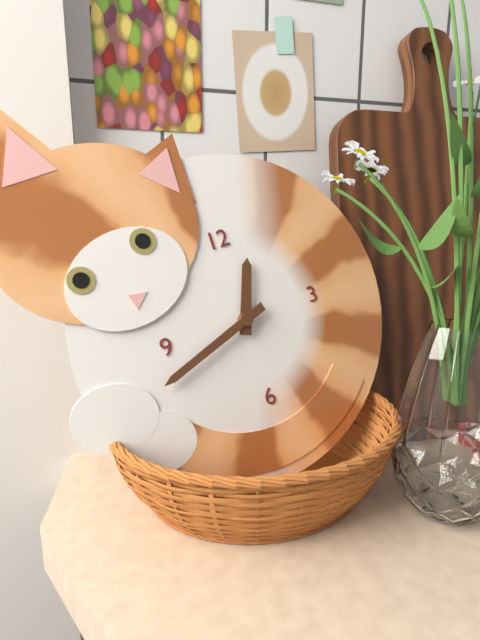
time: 12:42
